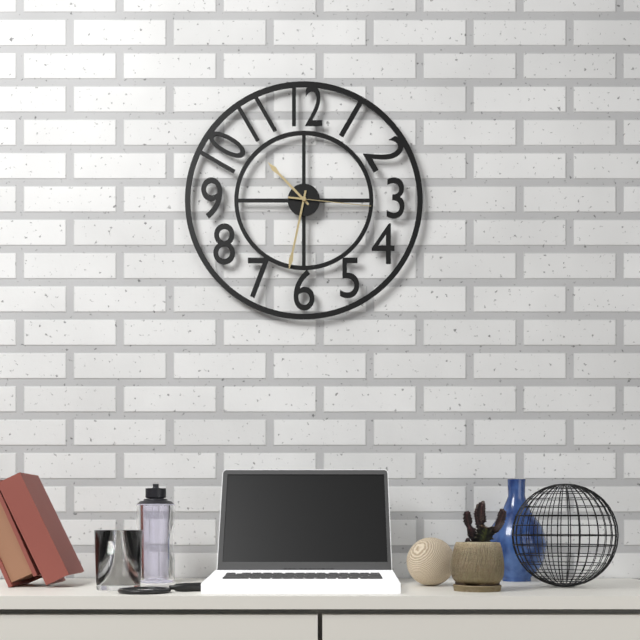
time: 10:32:16
